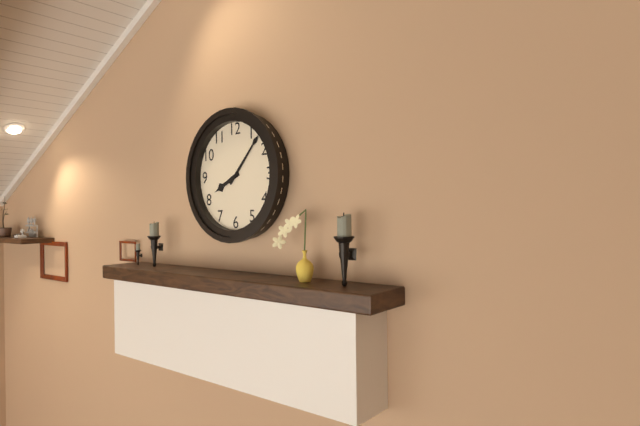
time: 8:07
